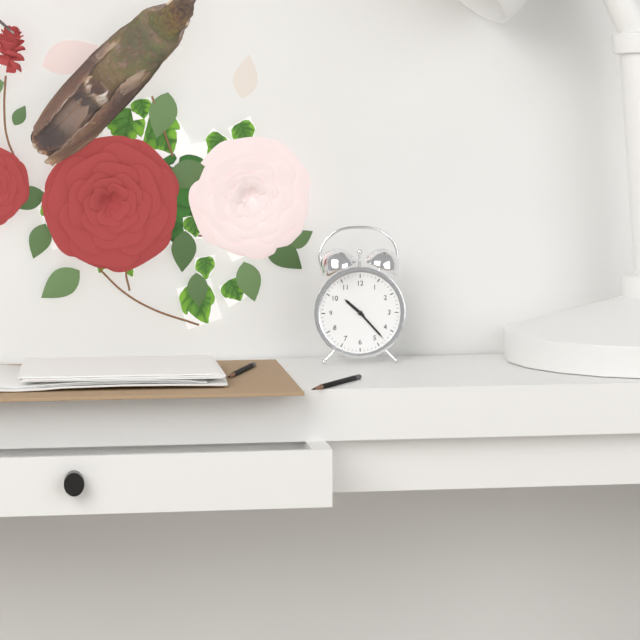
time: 10:23
